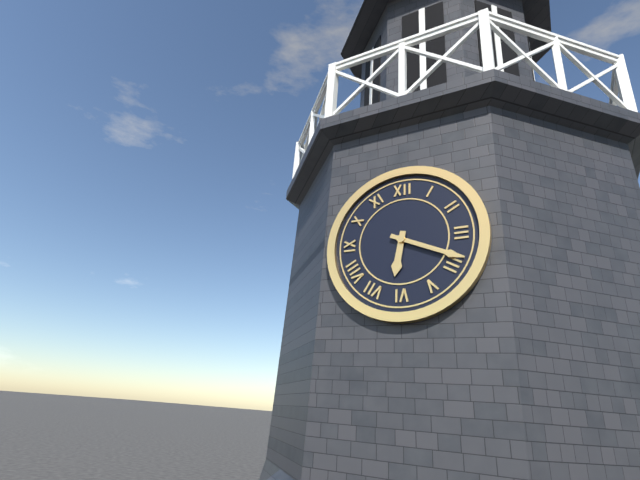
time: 6:19
